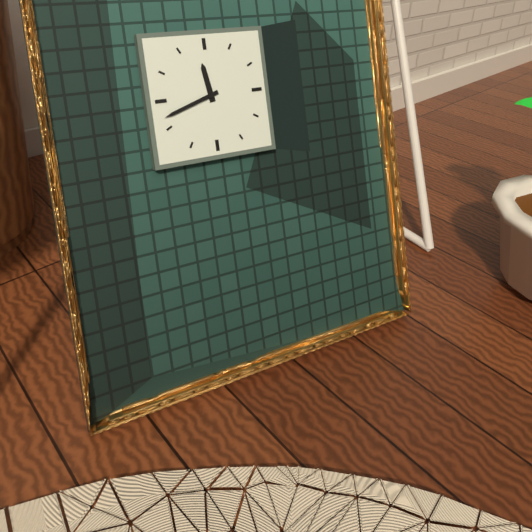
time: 11:42
